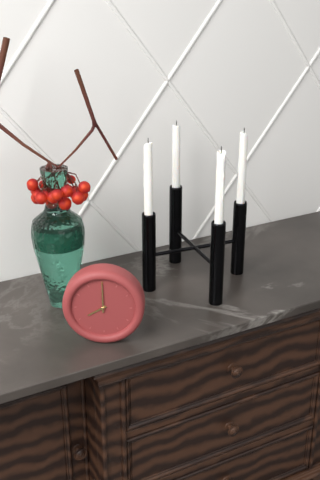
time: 8:00
